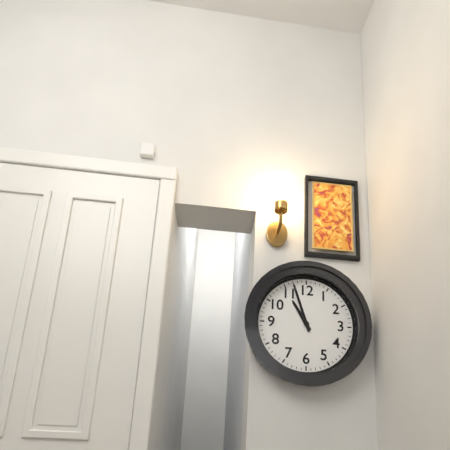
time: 10:57
